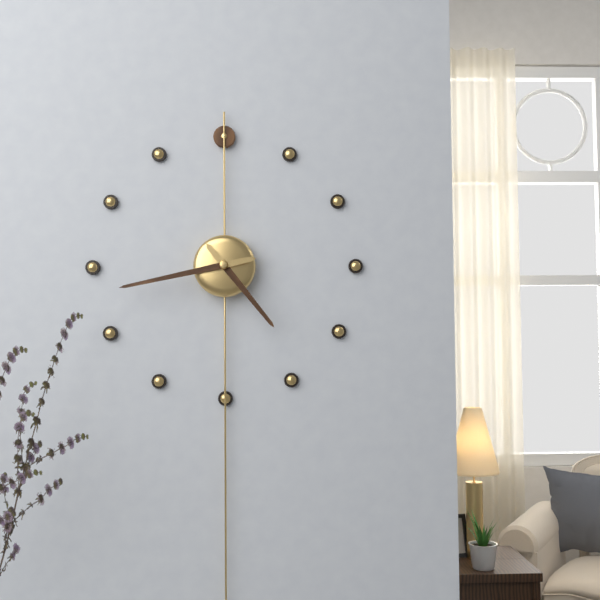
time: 4:43
